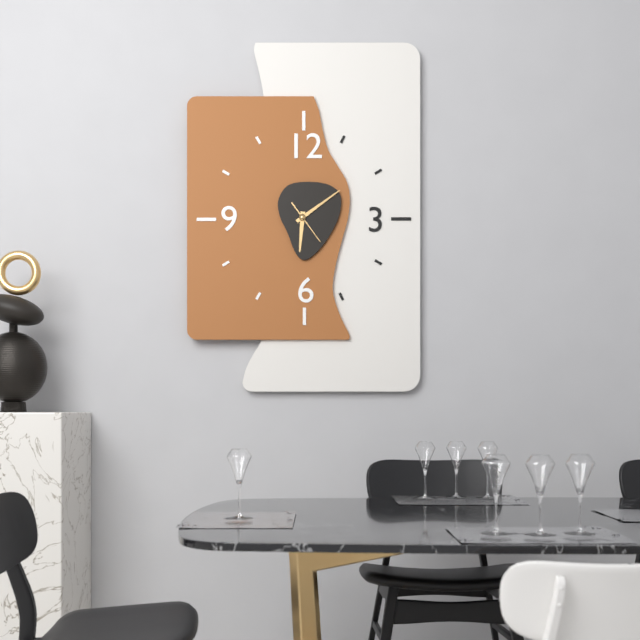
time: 6:09
